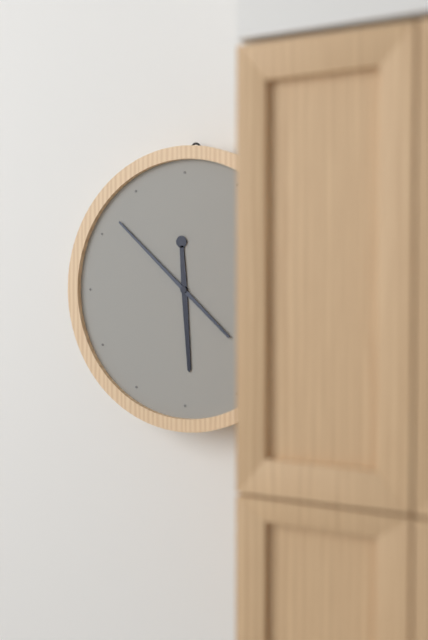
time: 5:52
